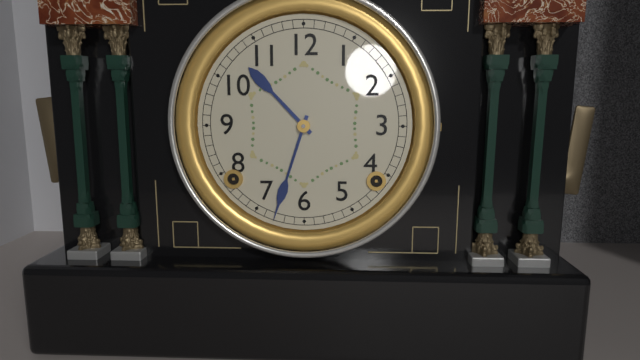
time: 10:33
